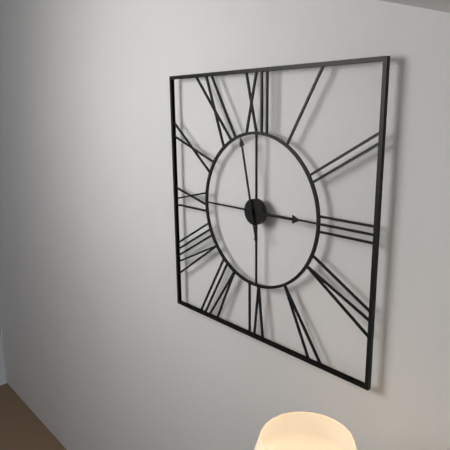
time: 2:58
